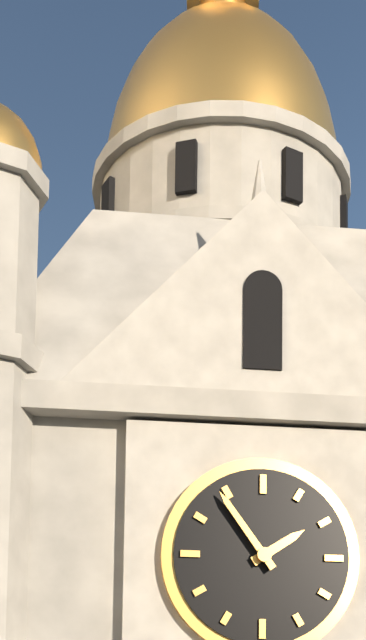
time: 1:54
